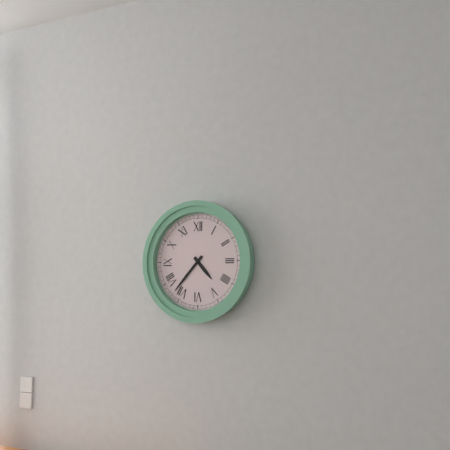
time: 4:37
